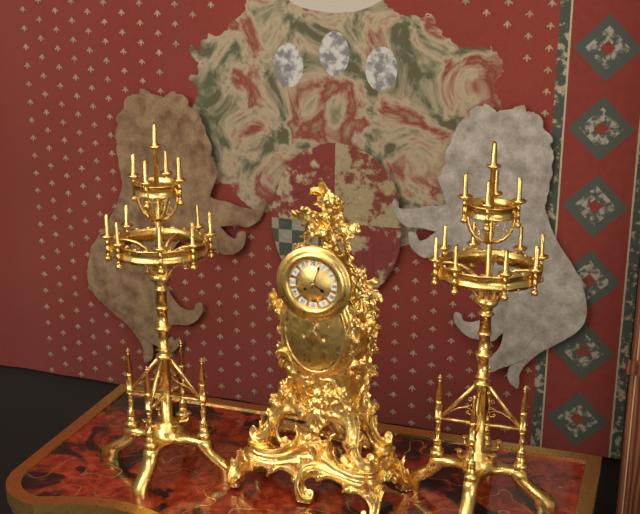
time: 4:03
